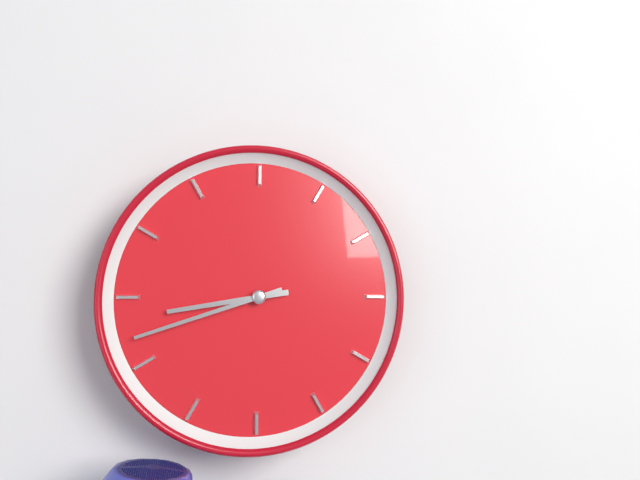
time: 8:42
